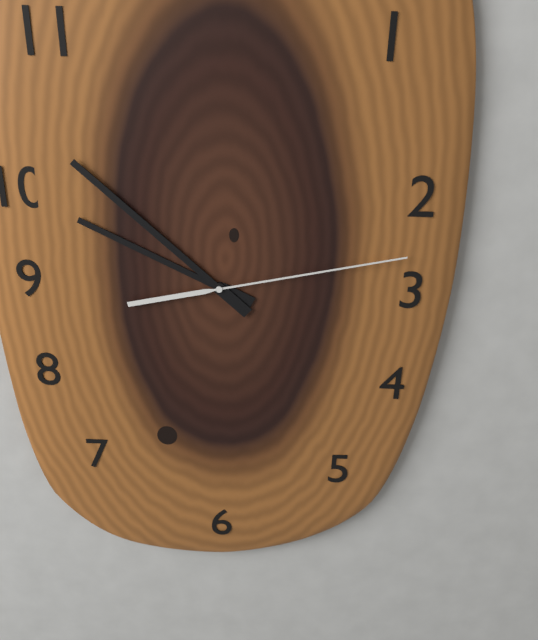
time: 9:52:13
